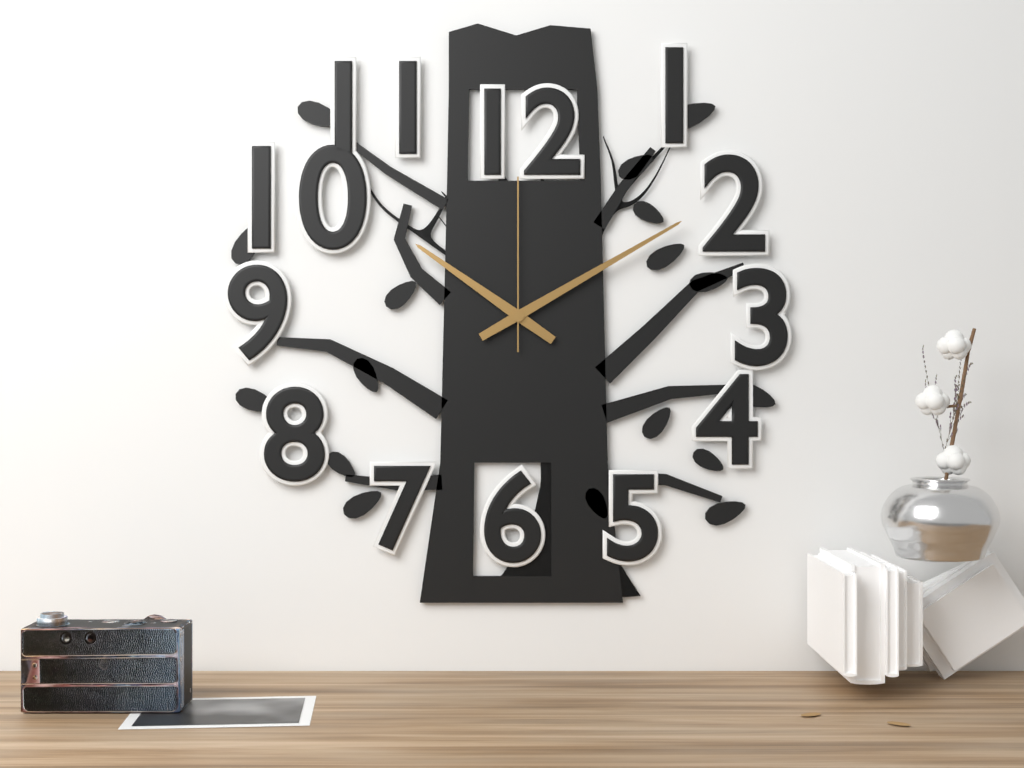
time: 10:10:00
